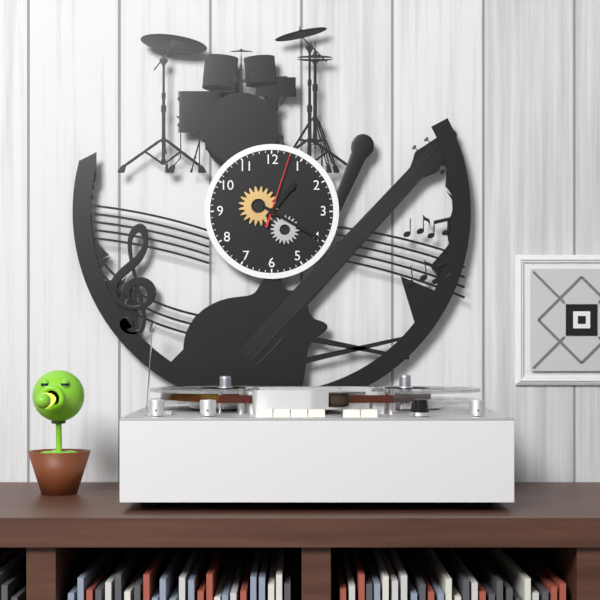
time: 1:20:03
